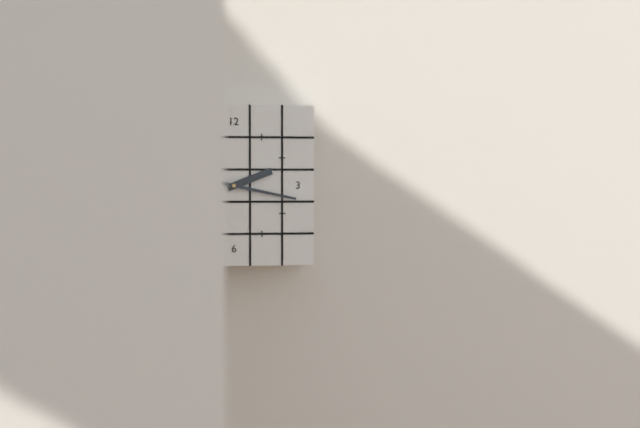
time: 2:17
